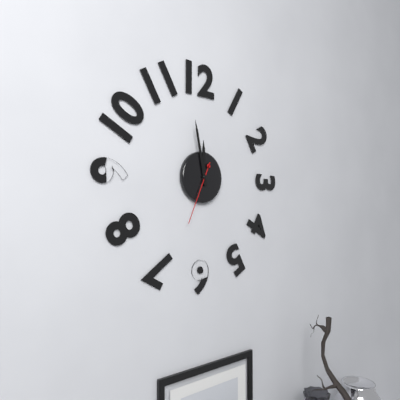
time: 11:58:34
